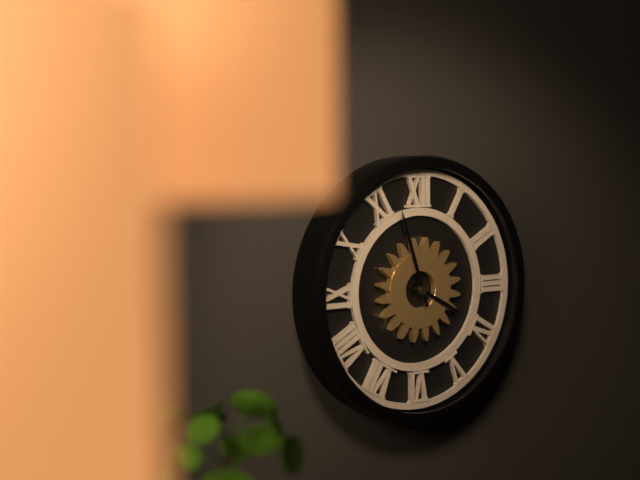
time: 3:57
